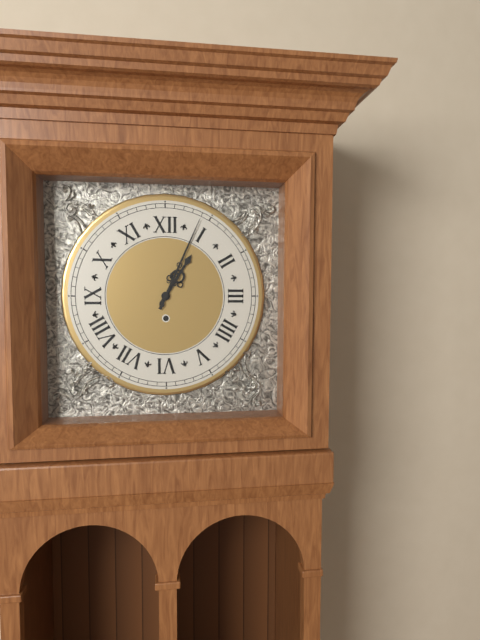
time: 1:04
